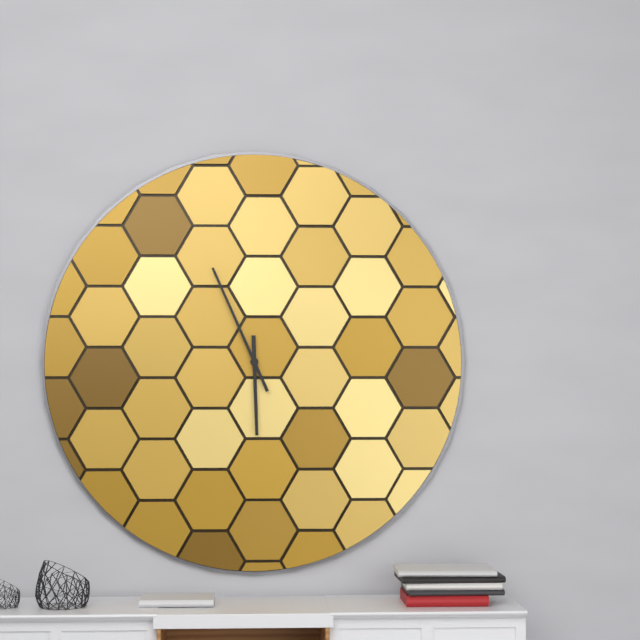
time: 5:56
